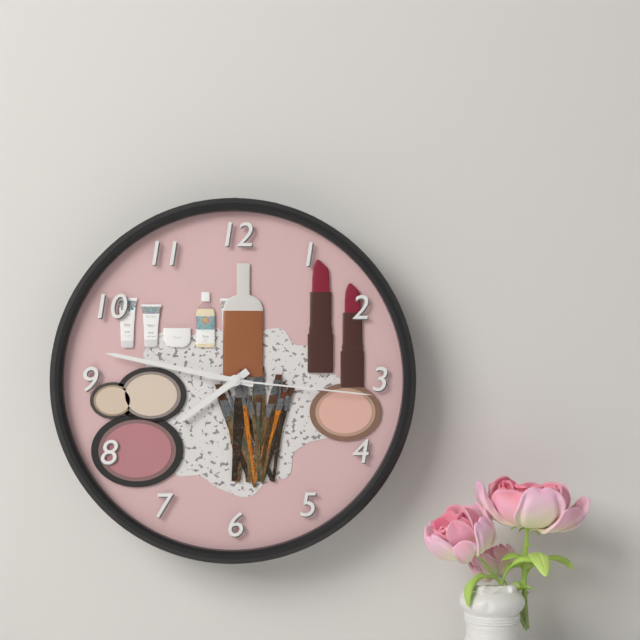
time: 7:47:16
